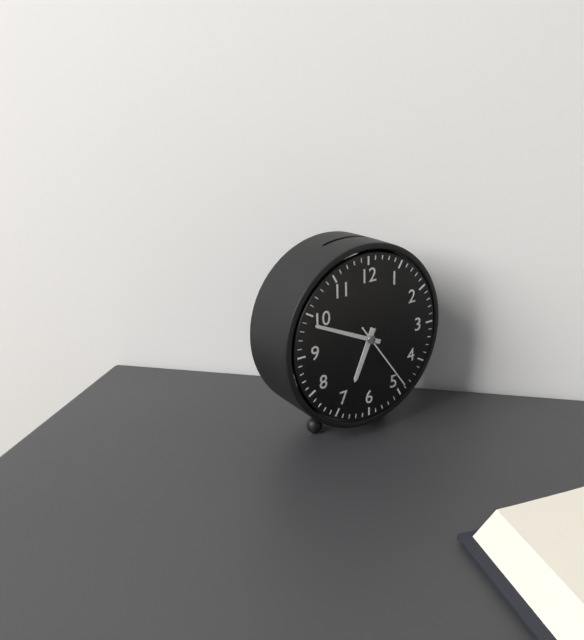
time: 6:49:24
